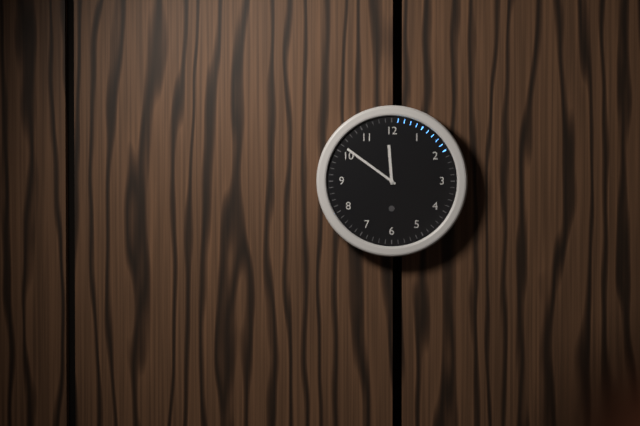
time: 11:51
